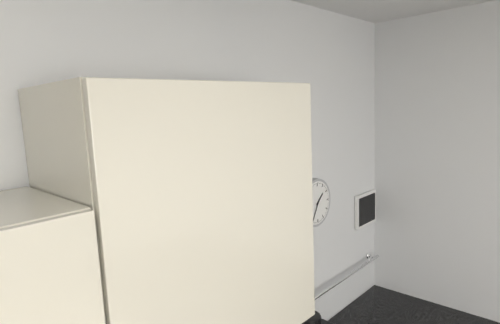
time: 1:35
